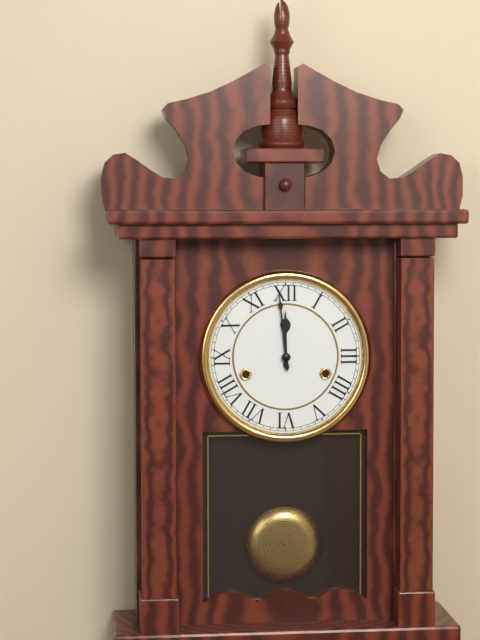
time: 11:59
